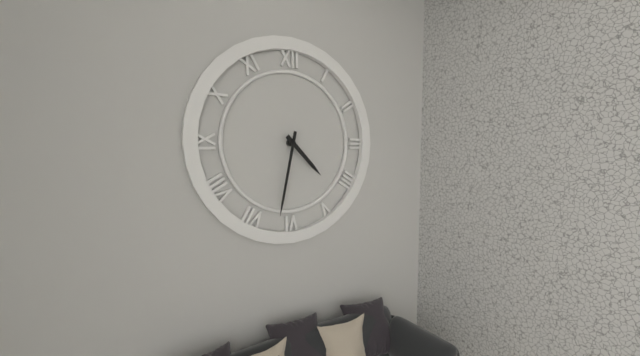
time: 4:32
